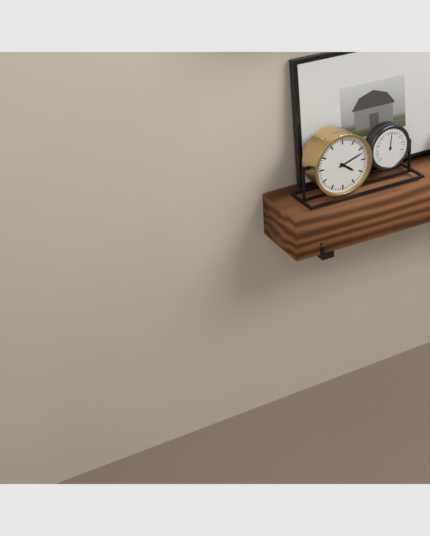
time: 4:12
